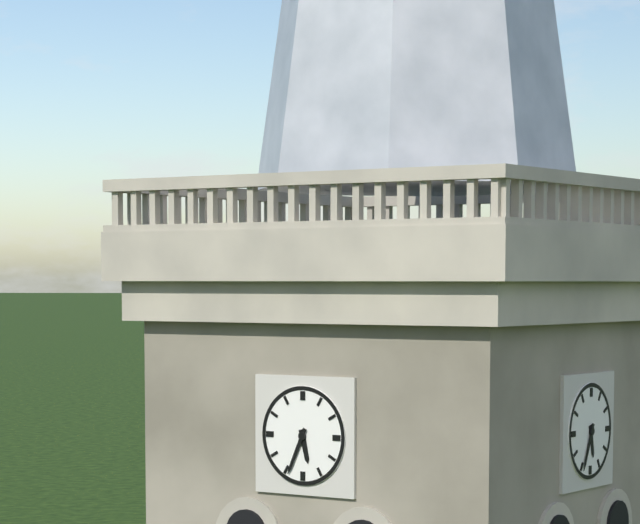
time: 5:34
